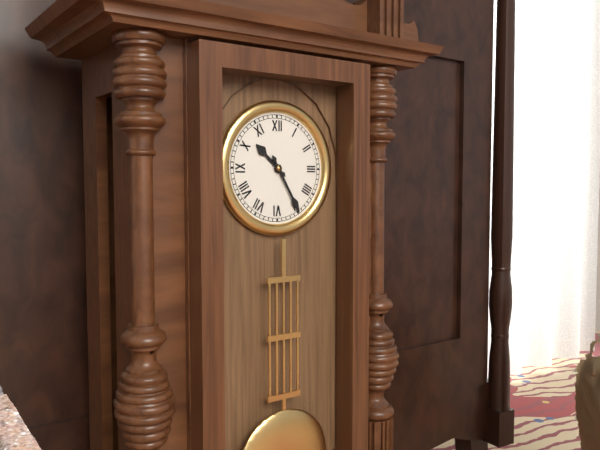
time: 10:25
